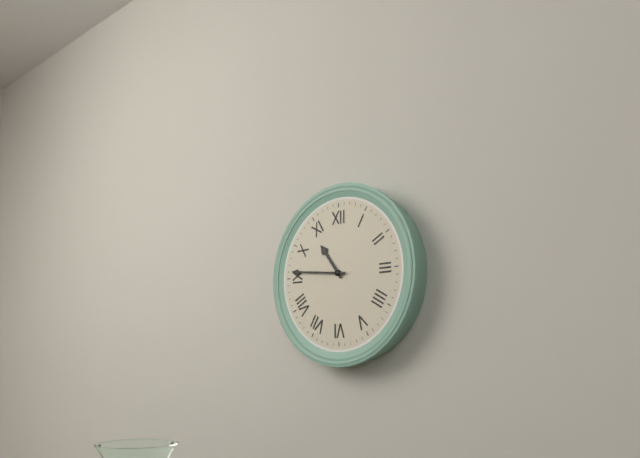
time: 10:46
